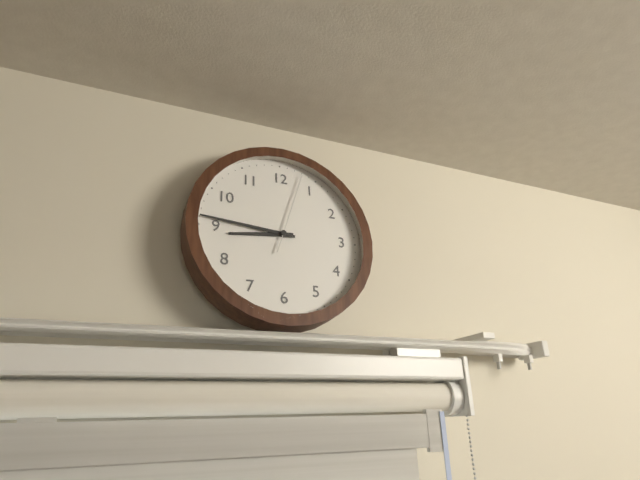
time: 8:46:03
